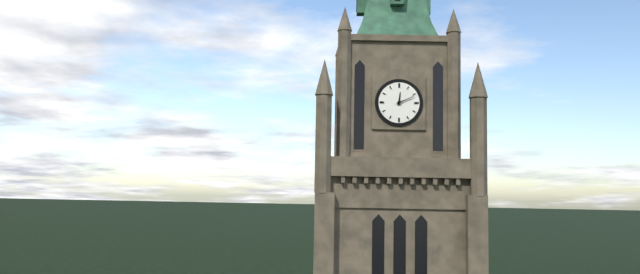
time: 12:11
